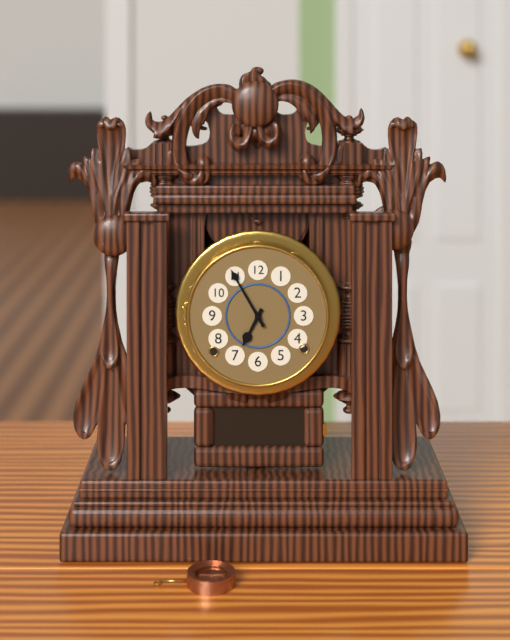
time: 6:55
